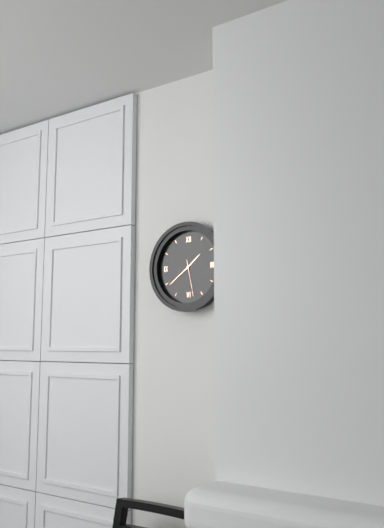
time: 1:39
